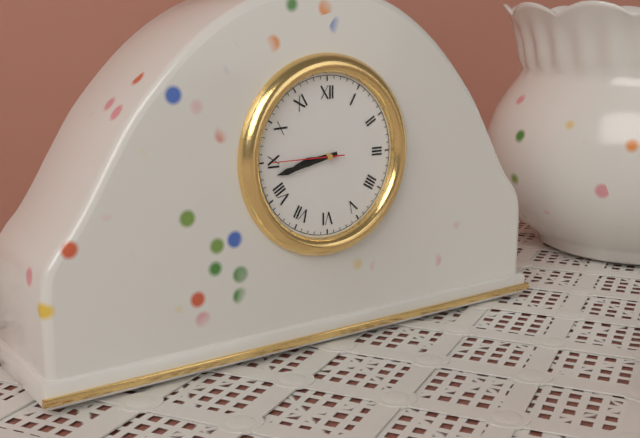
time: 8:43:45
